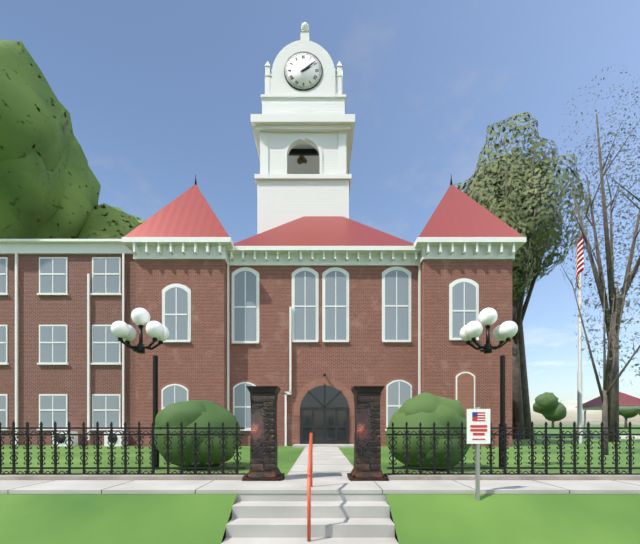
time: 2:09
